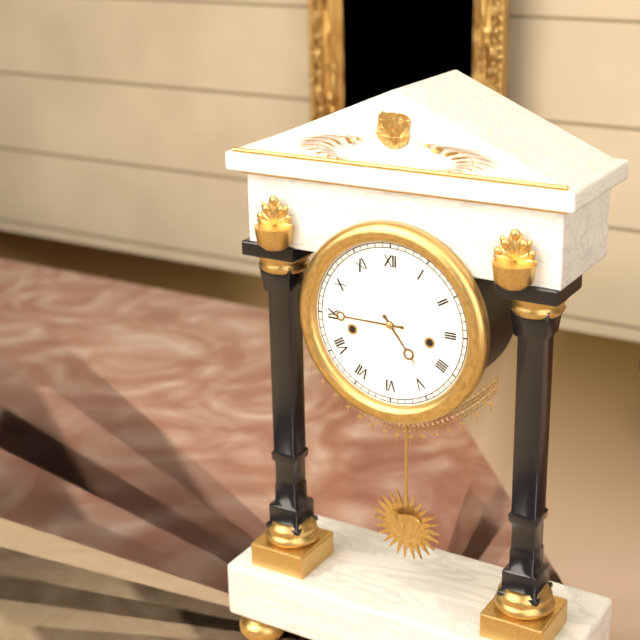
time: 4:45
